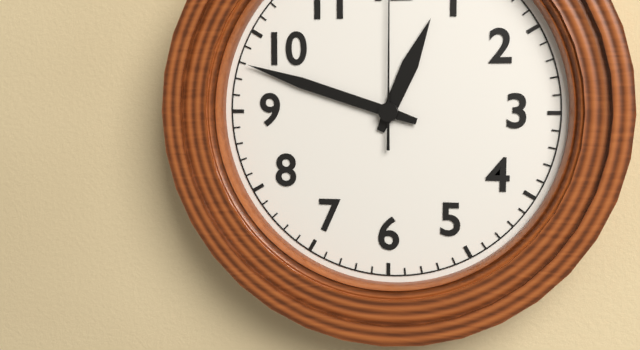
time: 12:48
